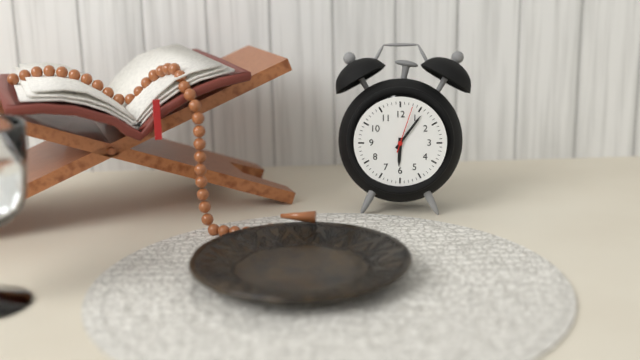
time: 6:06
